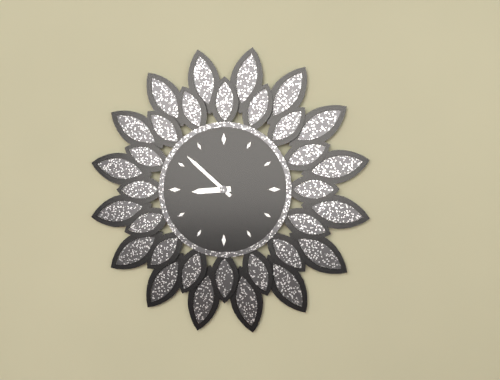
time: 8:52
